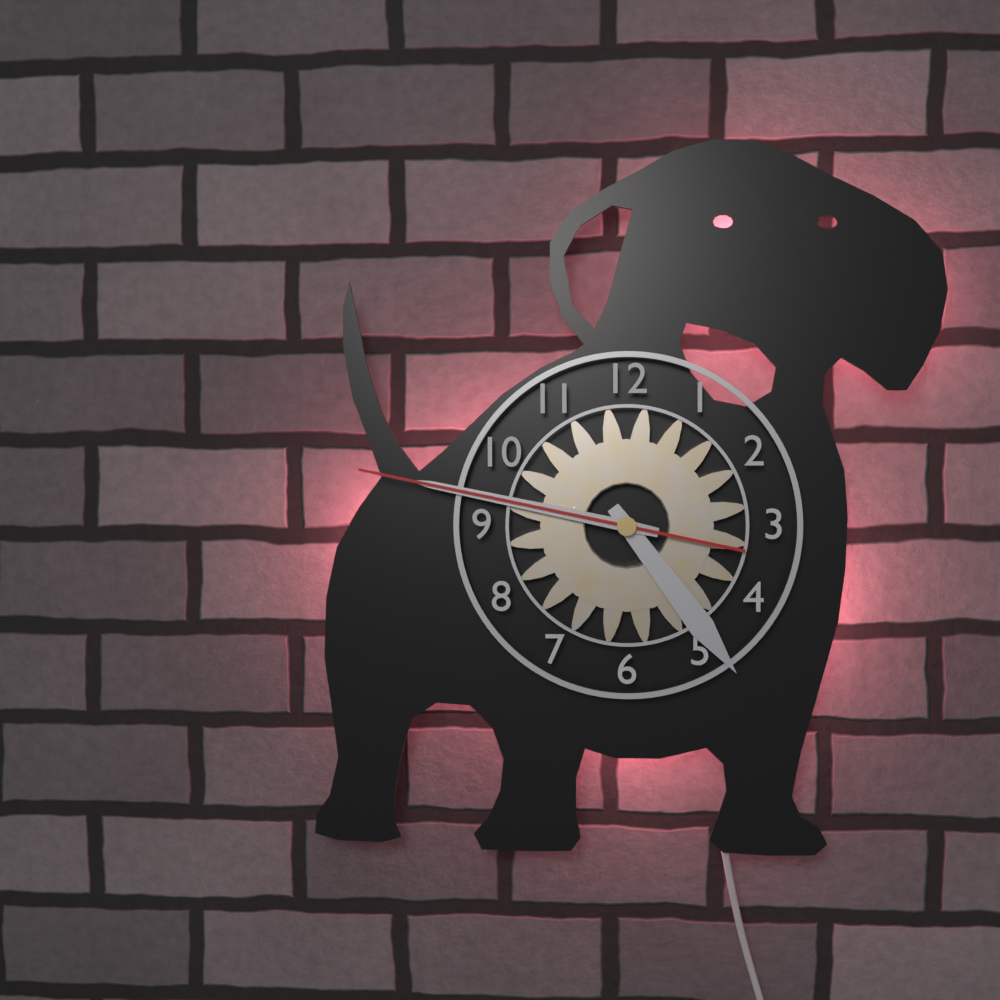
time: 4:47:47
